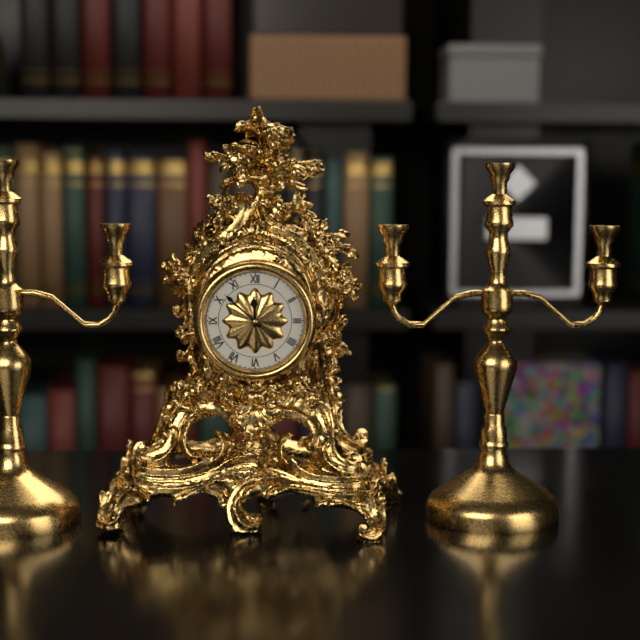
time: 11:52
